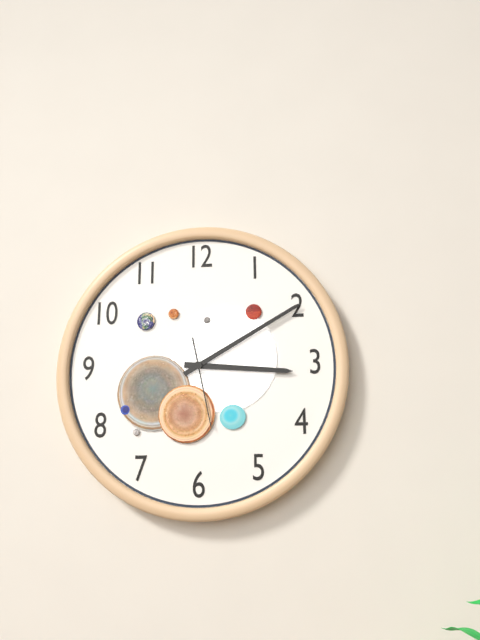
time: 3:10:28
